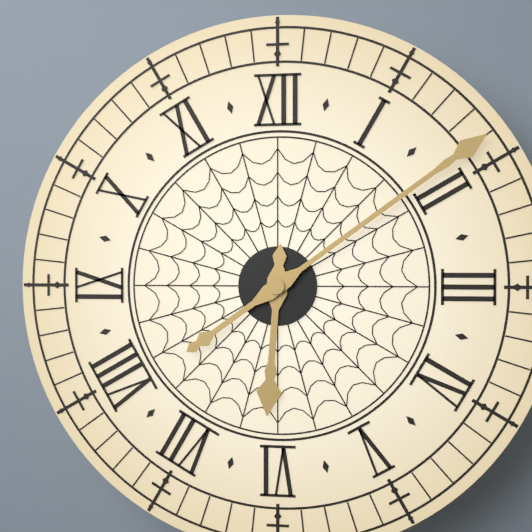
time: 6:09
